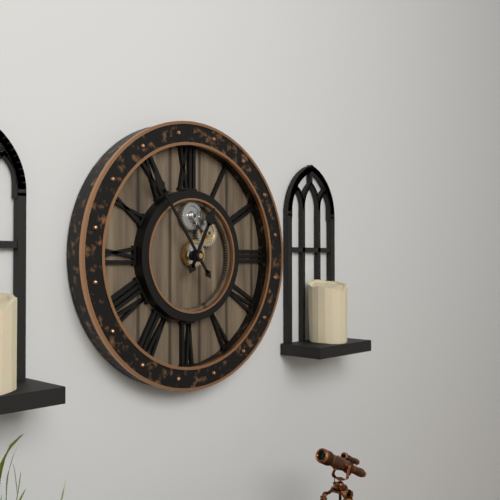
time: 12:54
